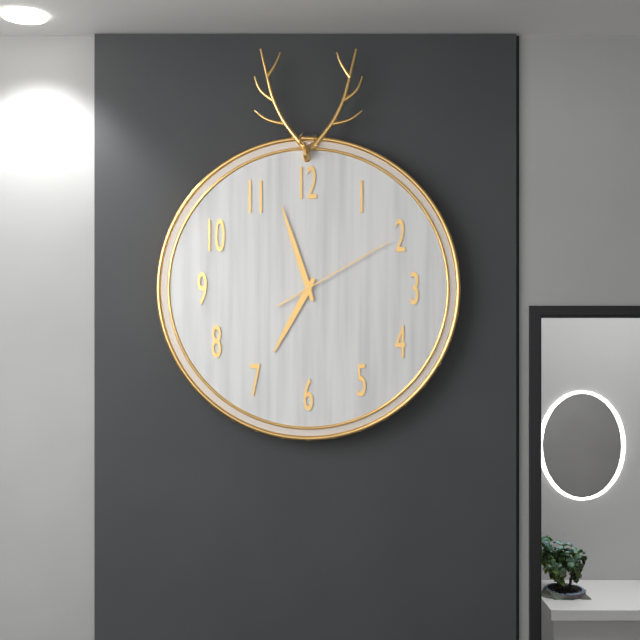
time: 6:57:10
